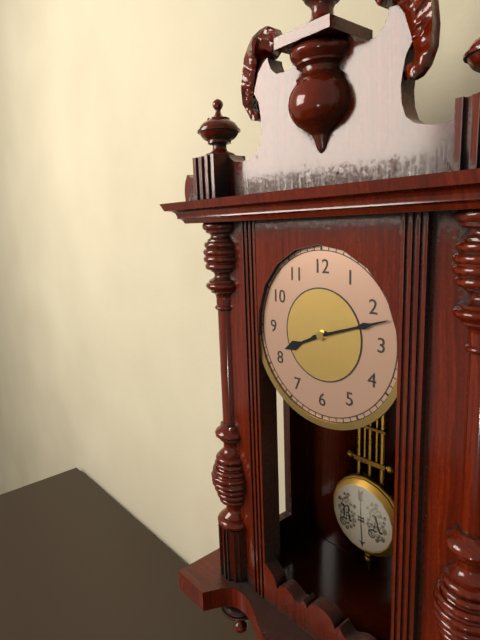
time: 8:12
